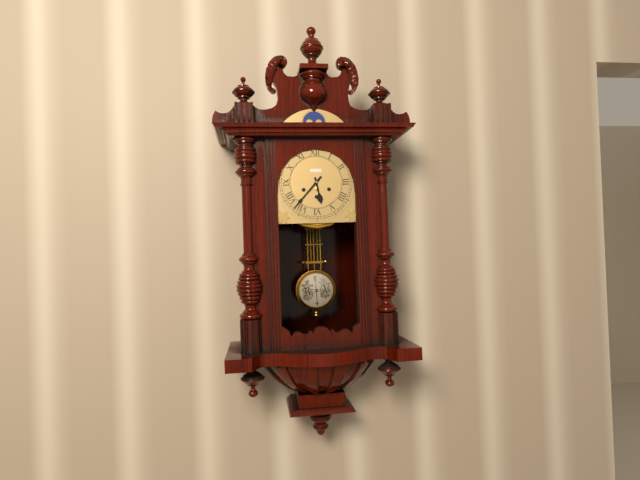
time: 5:37
